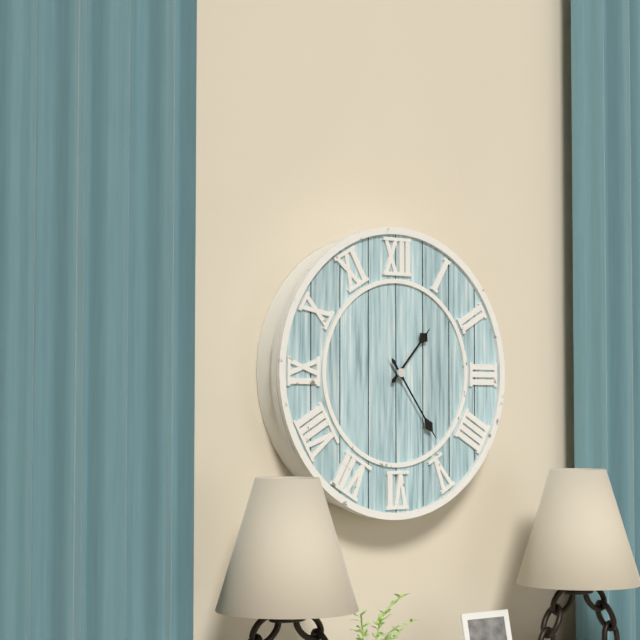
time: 1:24
